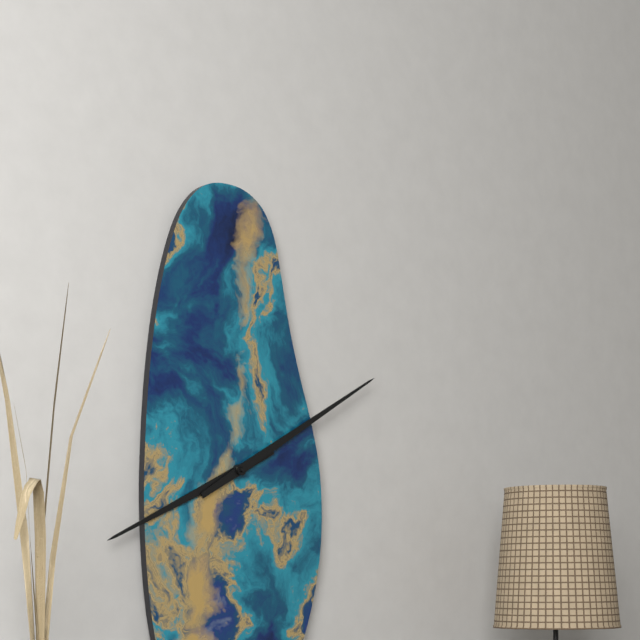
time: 8:10
